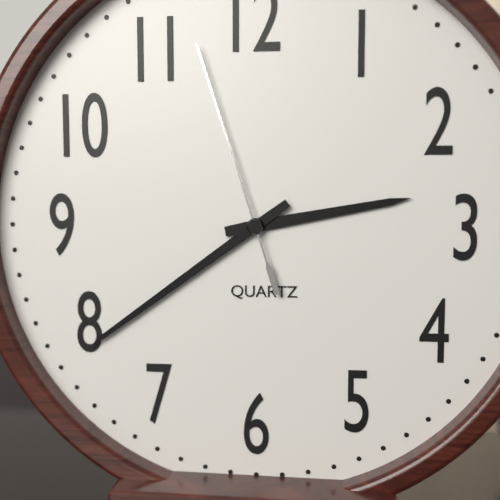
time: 2:39:57
